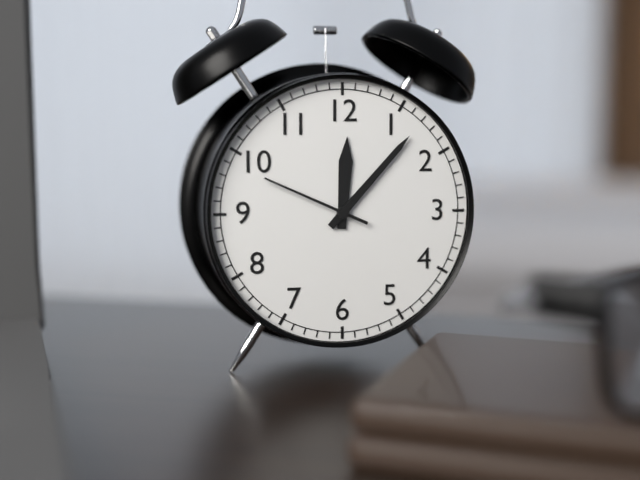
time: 12:07:49
